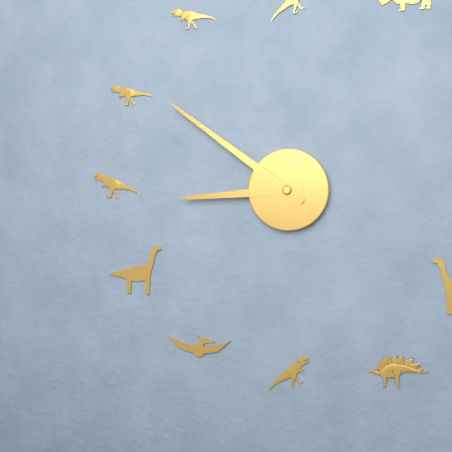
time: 8:51
